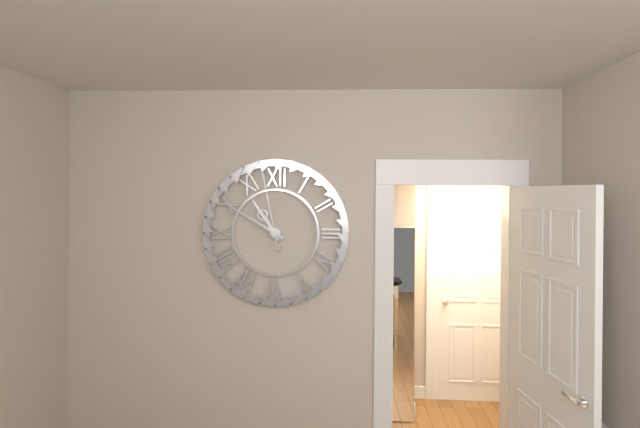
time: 10:50:58
